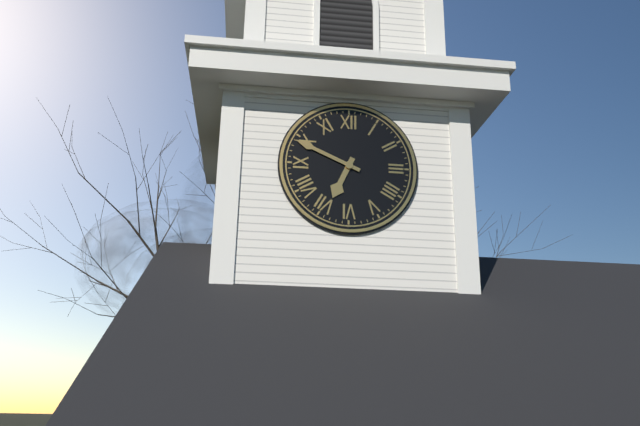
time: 6:49
